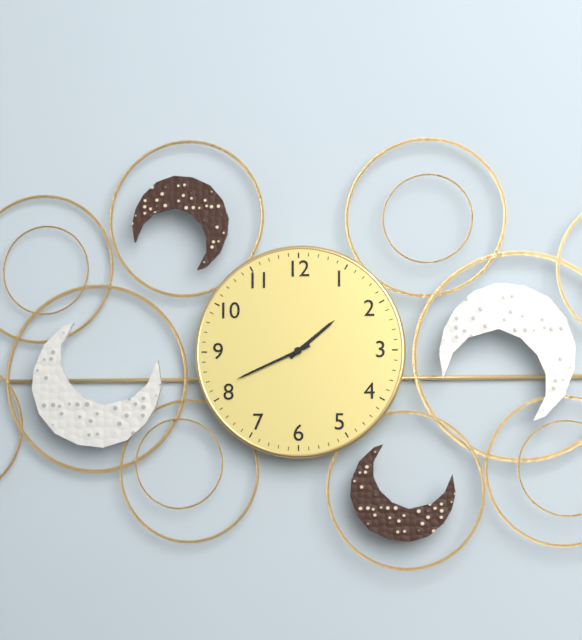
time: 1:41
